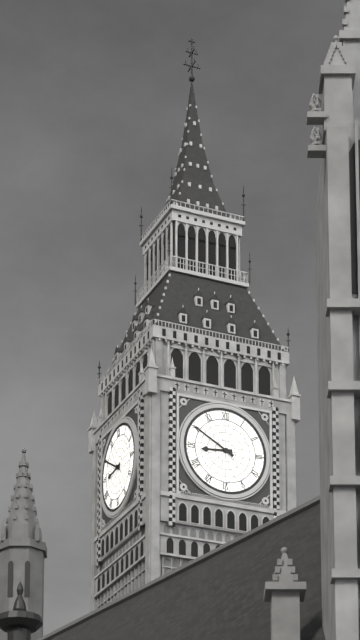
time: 8:50
